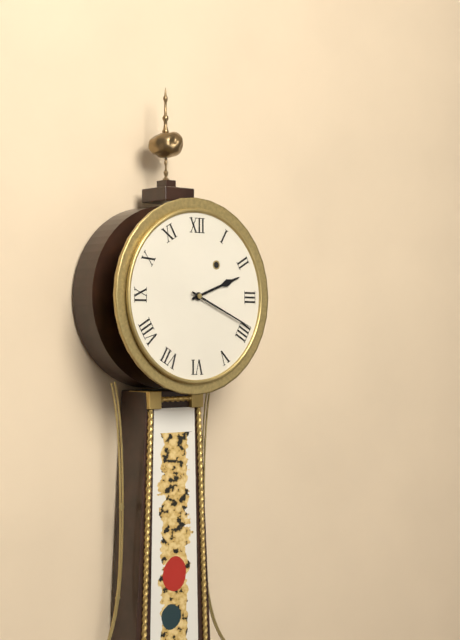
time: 2:19
